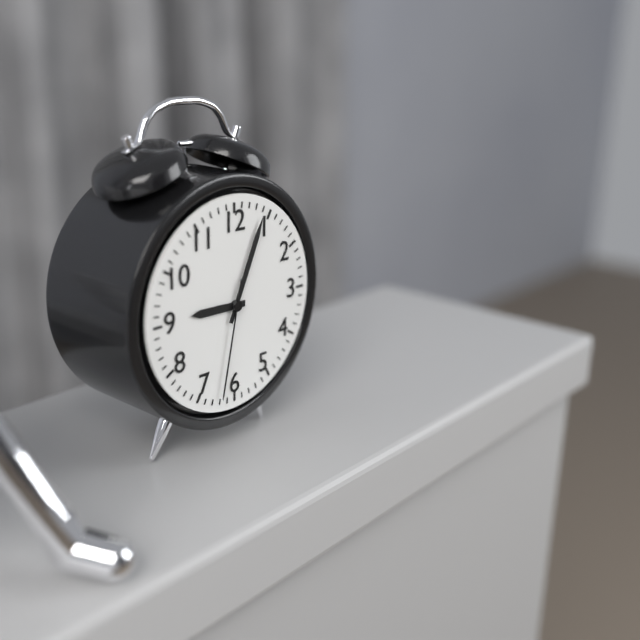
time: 9:04:32
